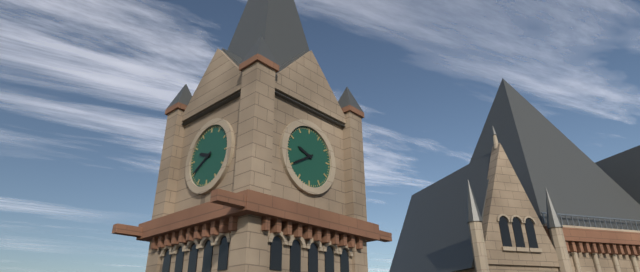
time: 9:40
